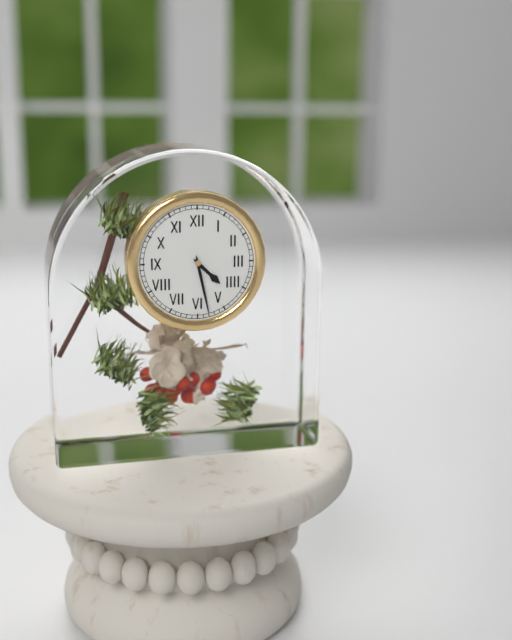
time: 4:28
